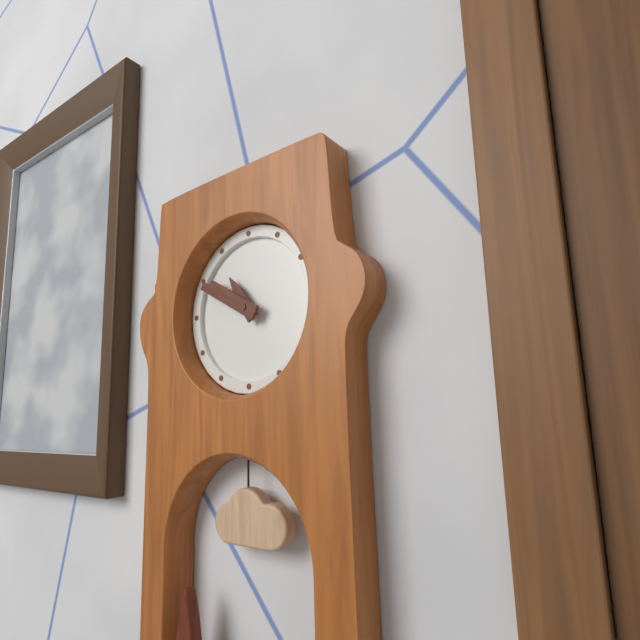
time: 10:50
